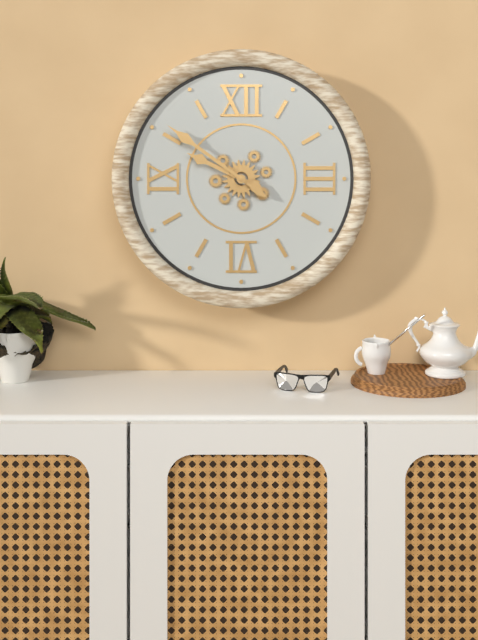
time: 9:51
